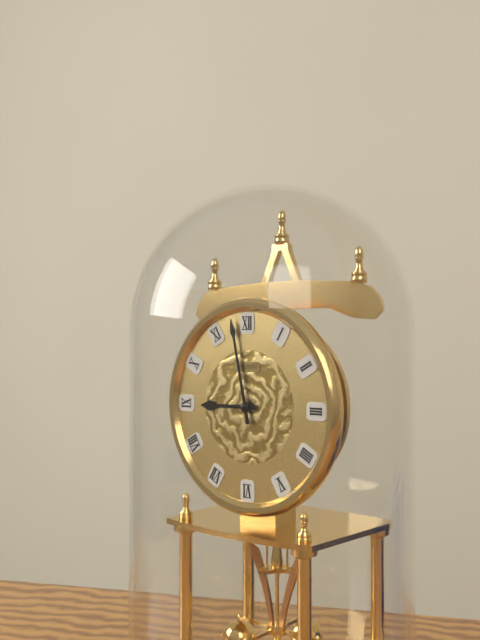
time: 8:58
